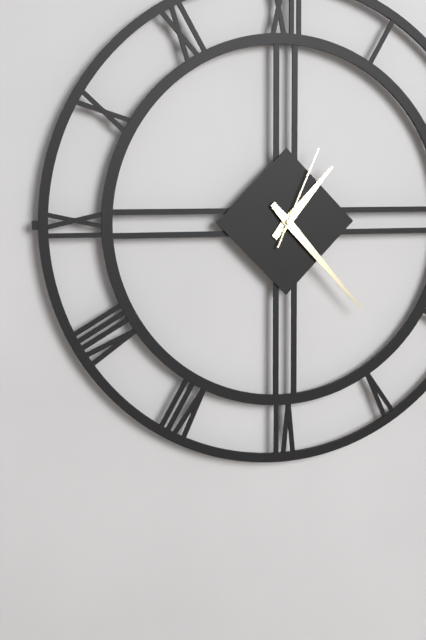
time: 1:23:04
